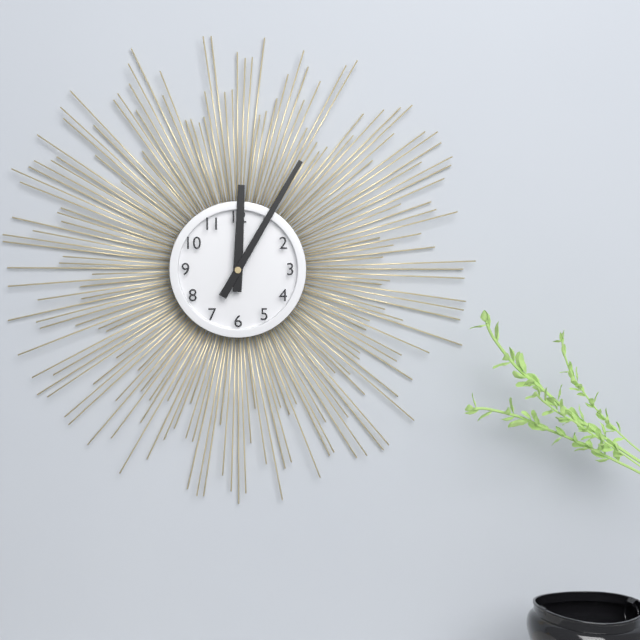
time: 12:05
